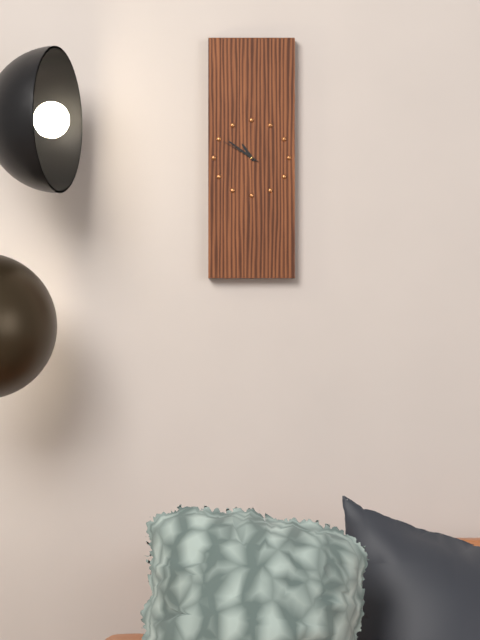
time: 10:51
